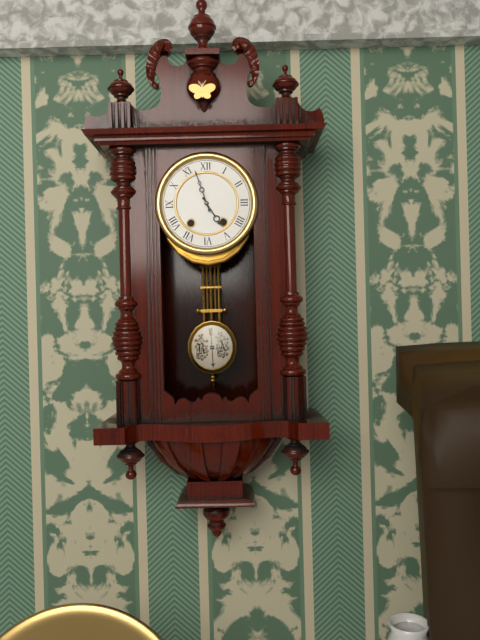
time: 4:57
